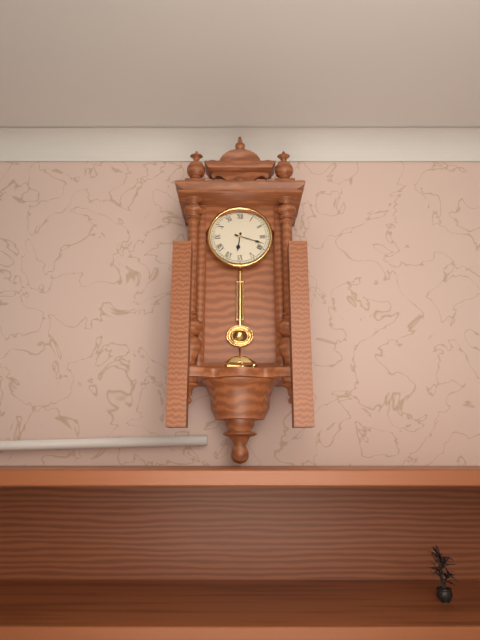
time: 6:18
